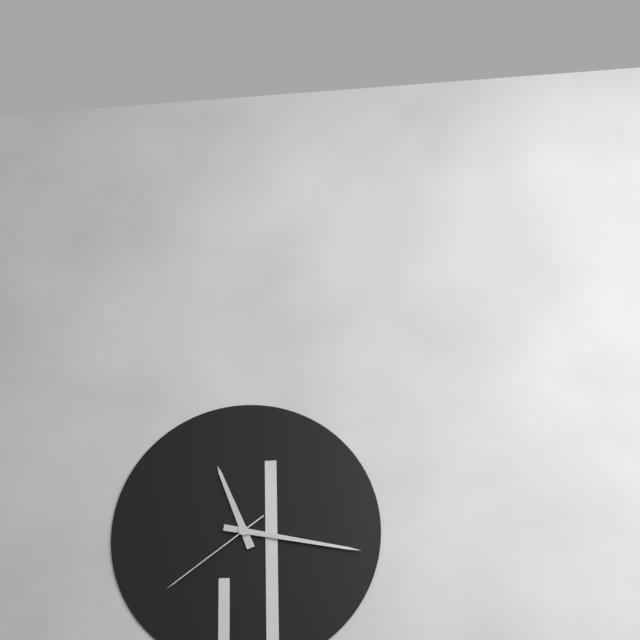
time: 11:17:39
